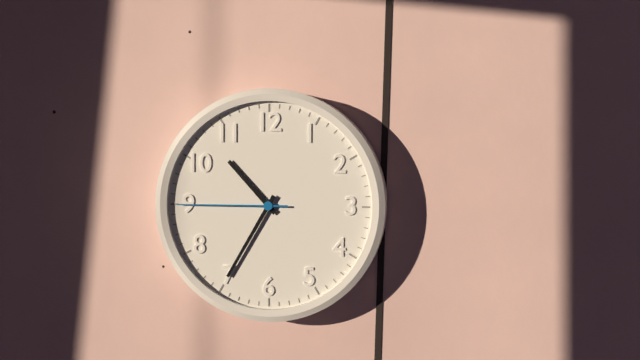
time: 10:35:45
